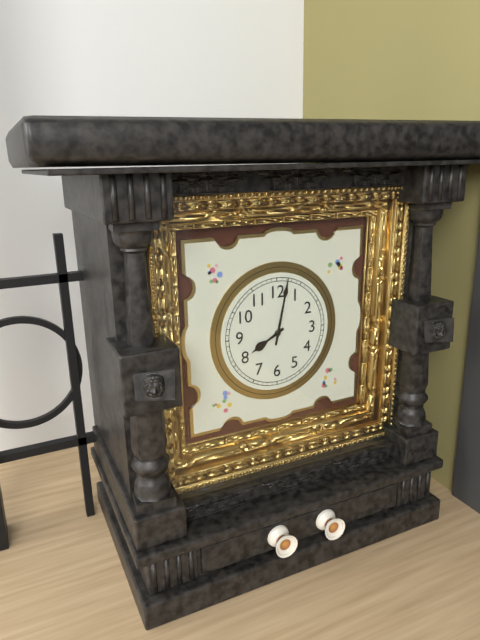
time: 8:02
